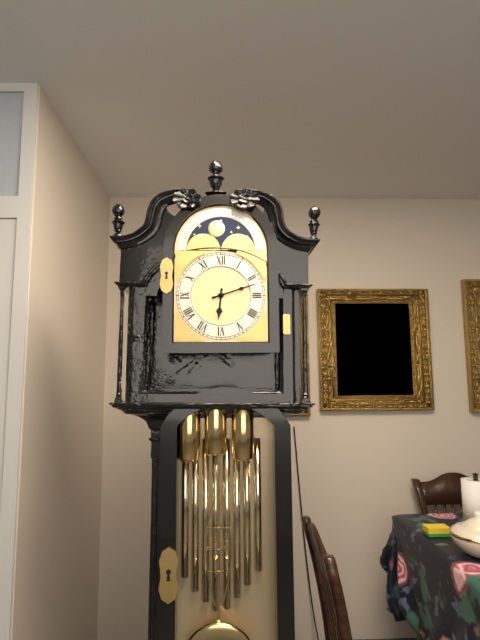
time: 6:12
